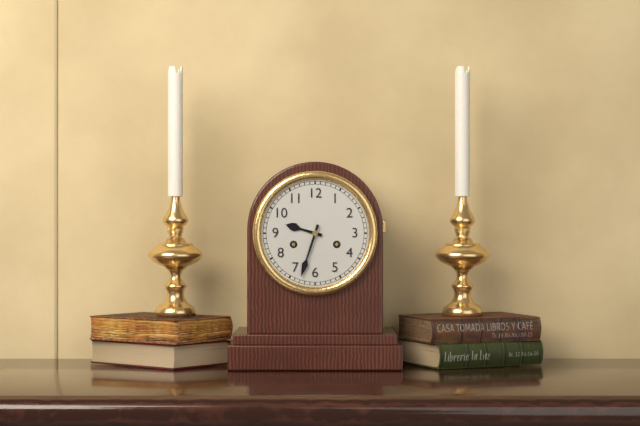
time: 9:33
